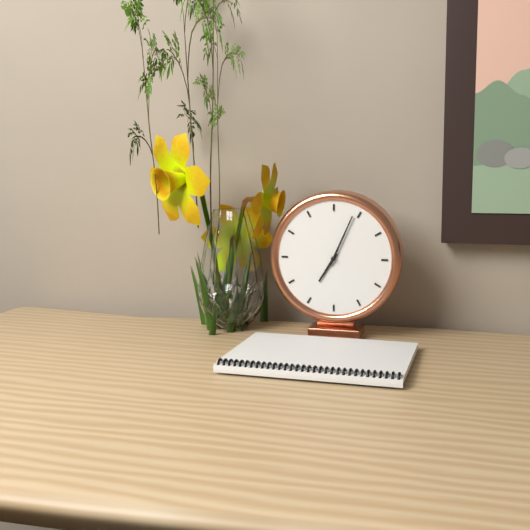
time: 7:04
